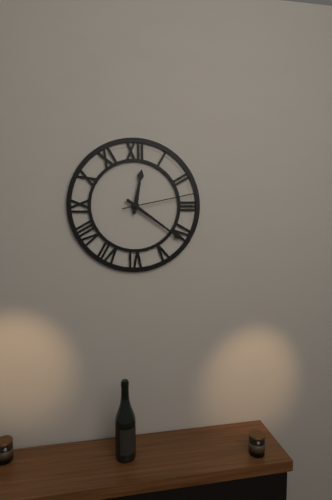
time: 12:21:13
